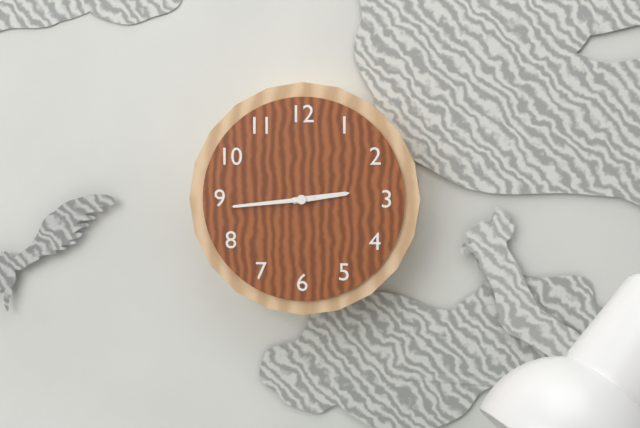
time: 2:44
